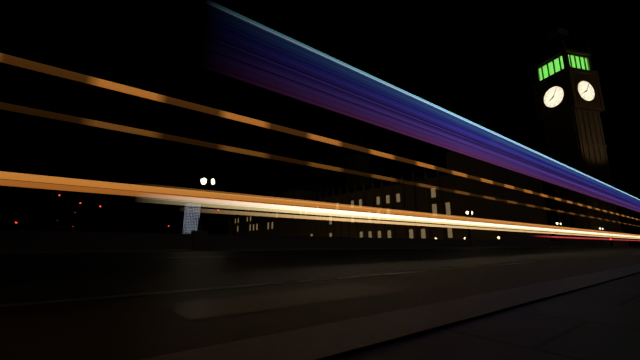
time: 8:05
